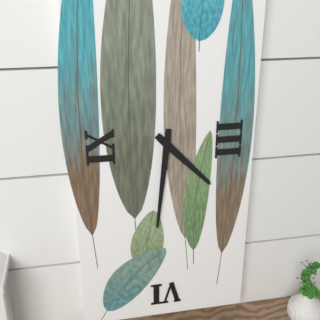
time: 4:31
